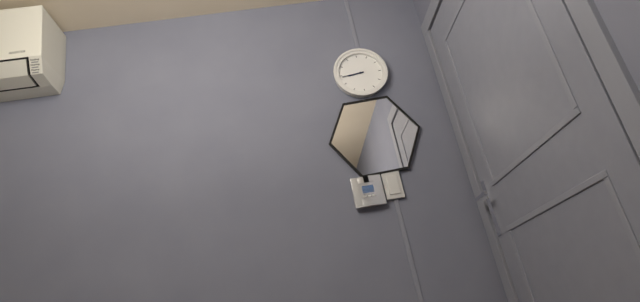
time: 8:44
